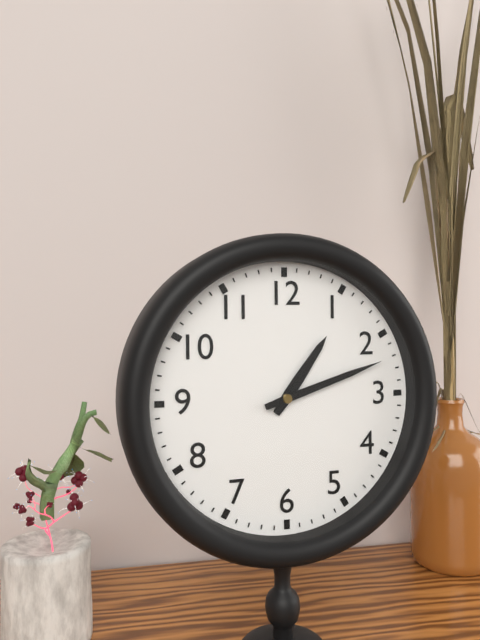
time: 1:12
